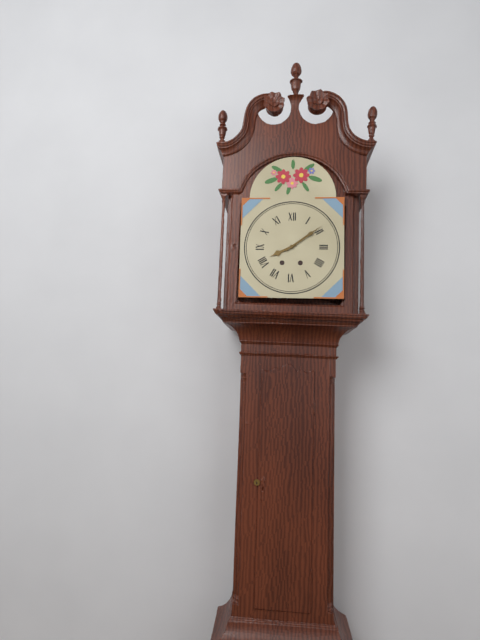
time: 8:09
